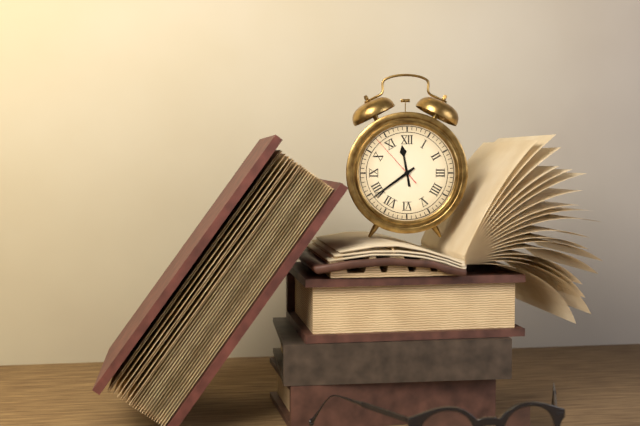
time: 11:39:53
